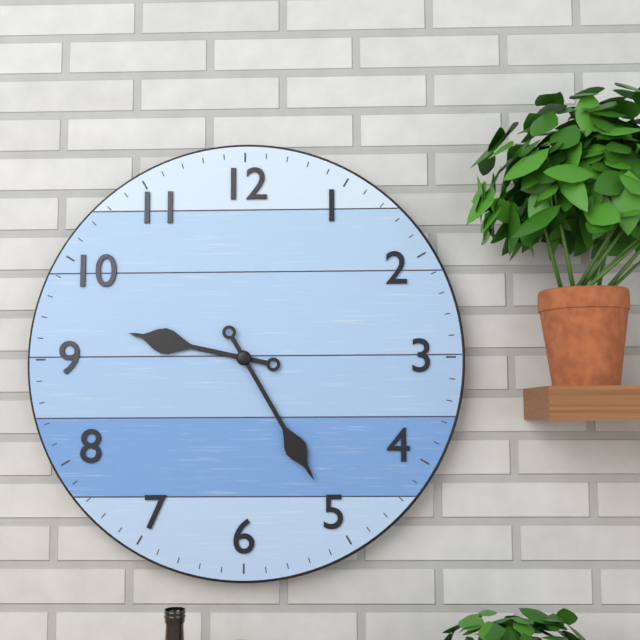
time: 9:25
